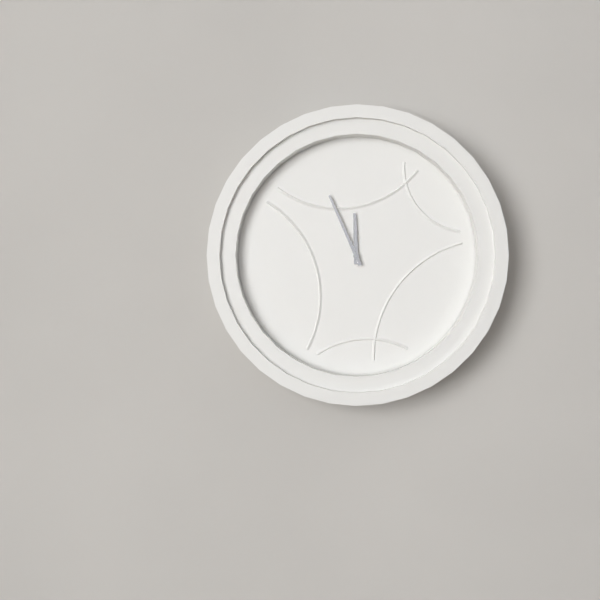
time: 11:56
